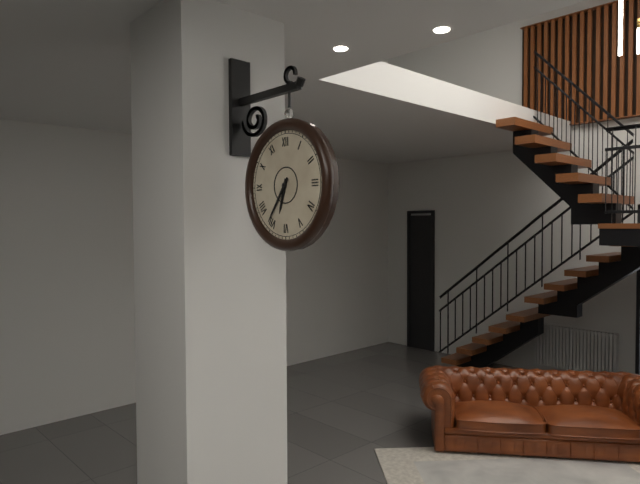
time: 6:36
